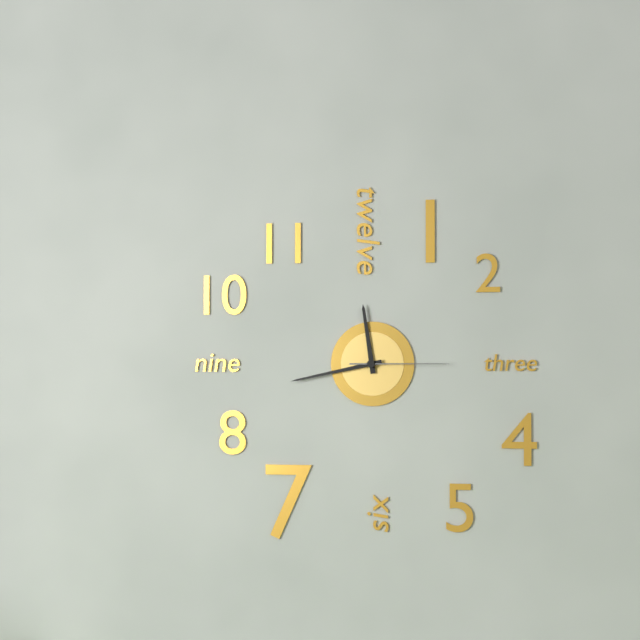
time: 11:43:15
